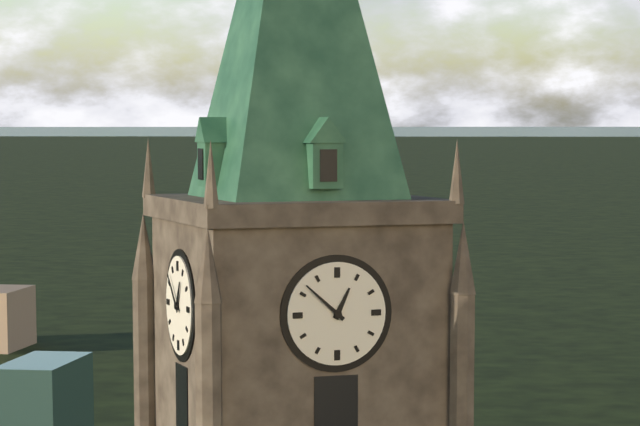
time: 12:52
